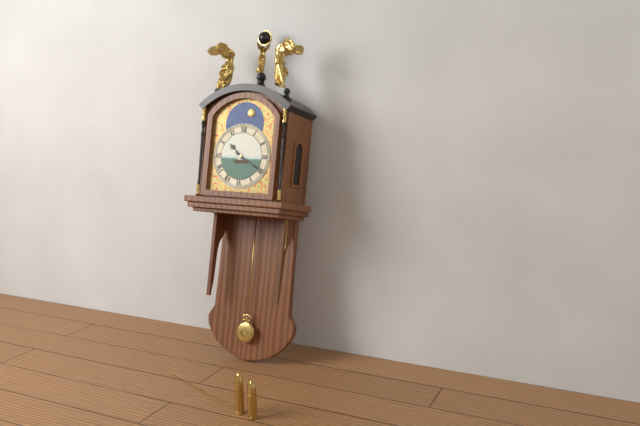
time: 10:20
